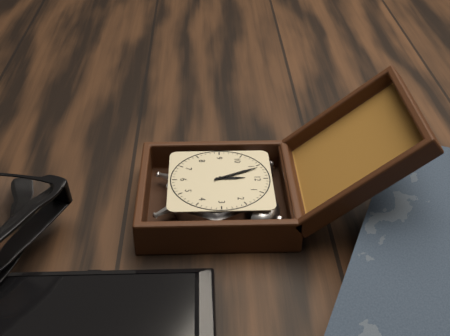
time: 11:56
